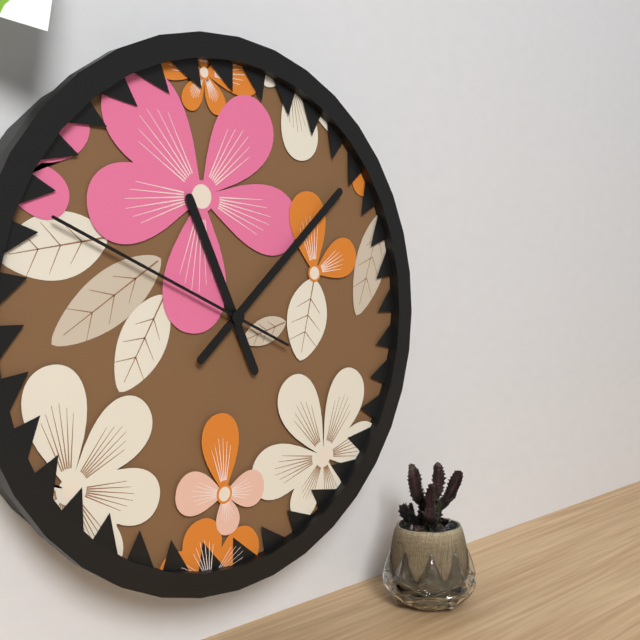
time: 11:08:49
